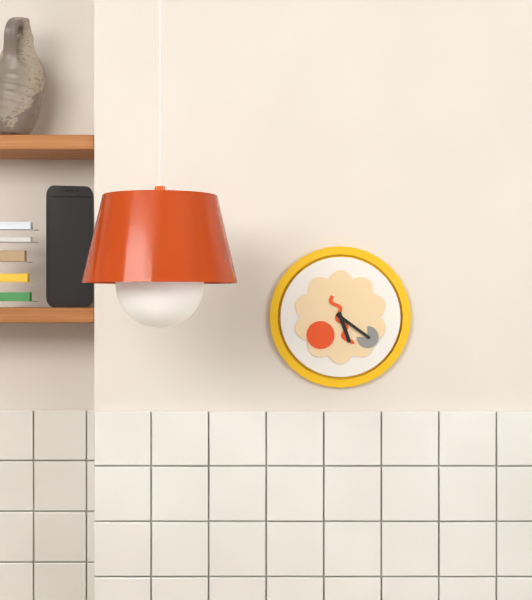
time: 5:21
